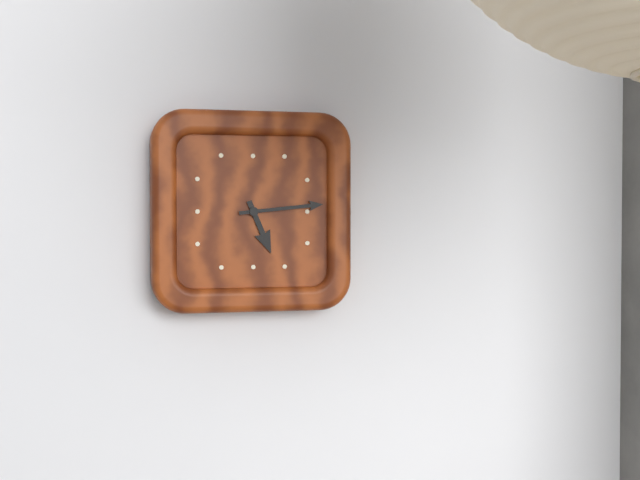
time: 5:14
